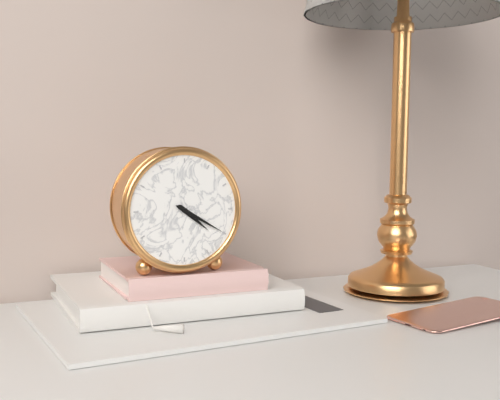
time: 4:20
